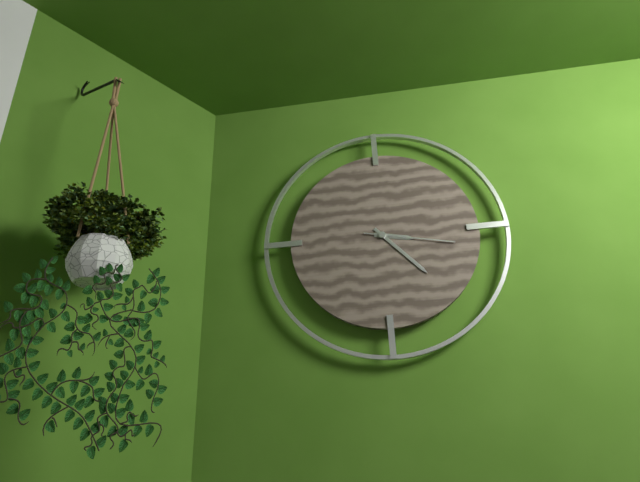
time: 3:23:17
